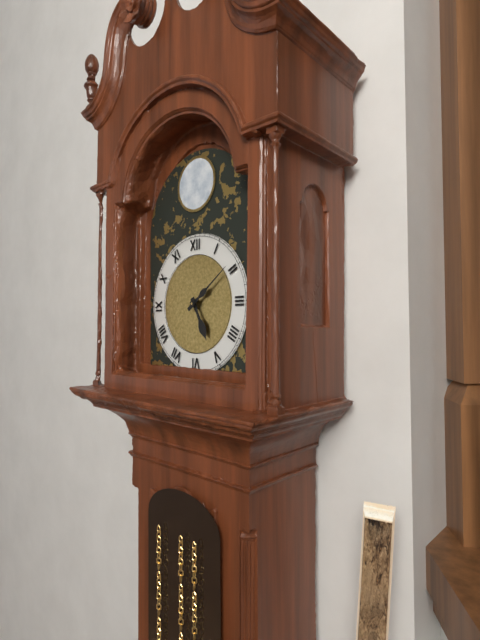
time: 5:09
